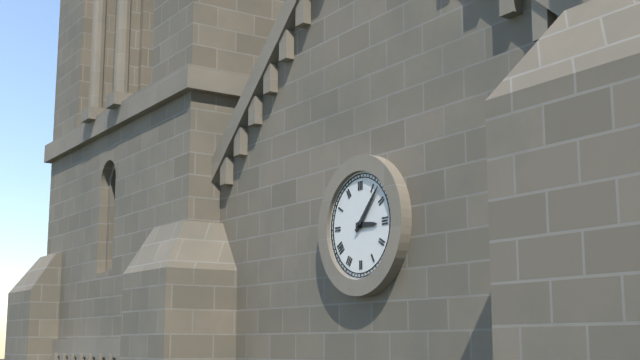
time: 3:07
